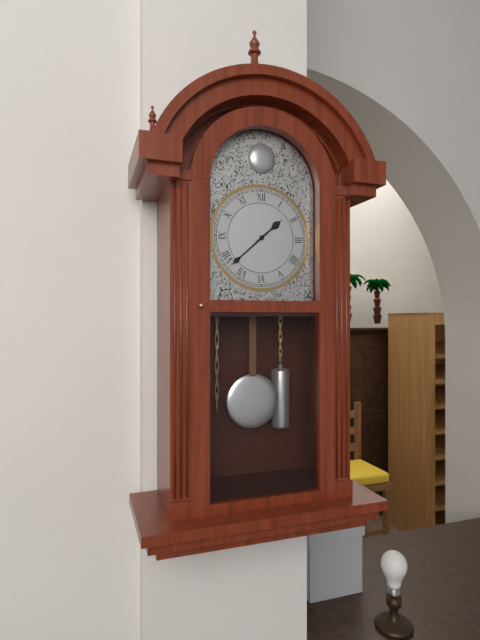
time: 1:38
